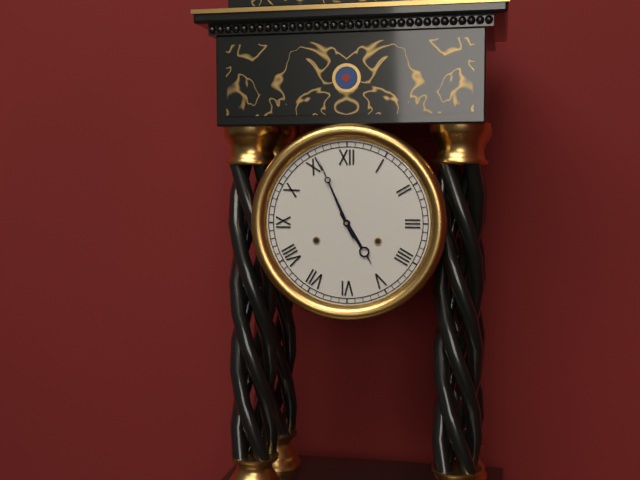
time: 4:56
